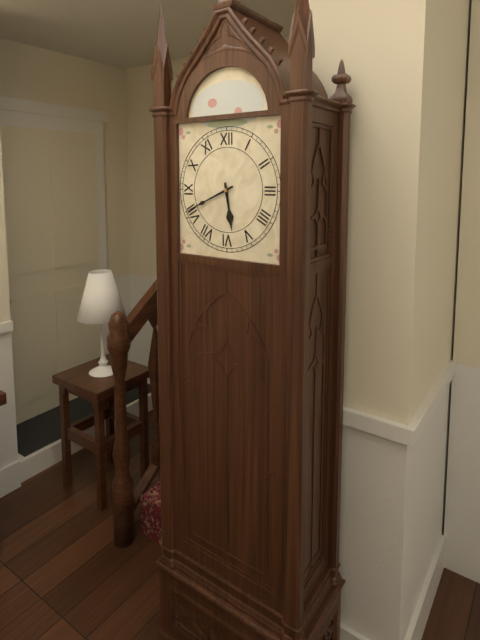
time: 5:41
